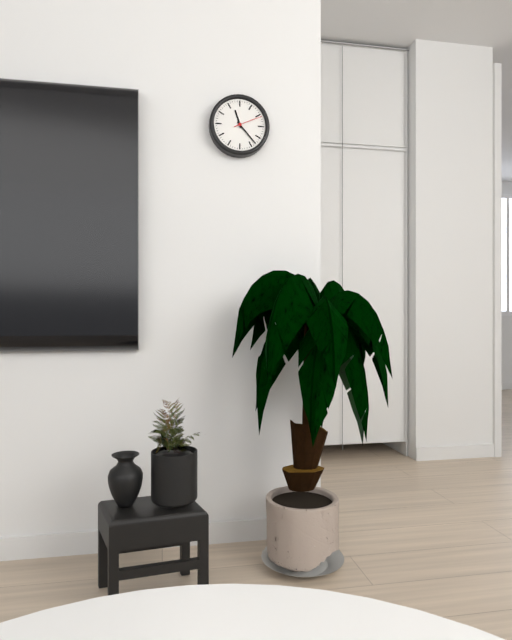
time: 11:23
